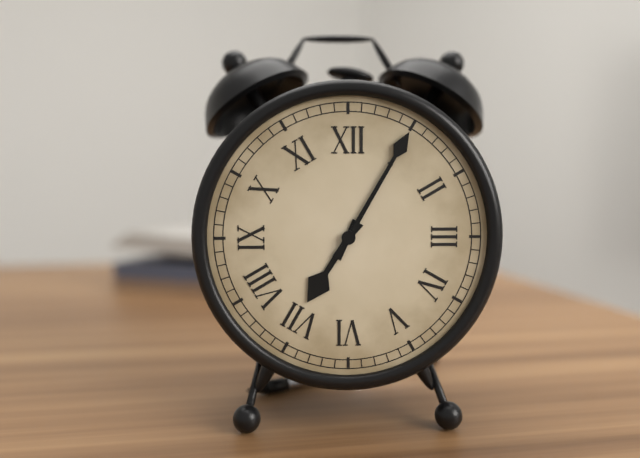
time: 7:05
